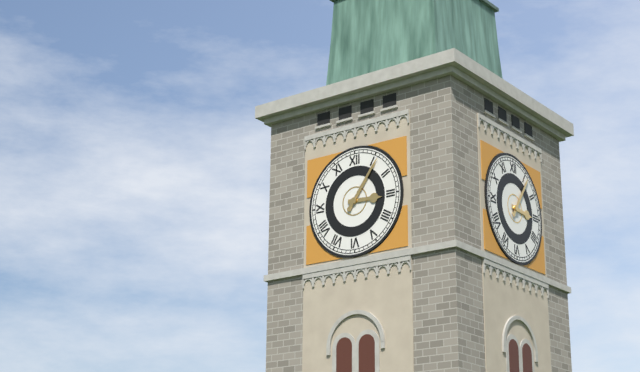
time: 3:06
